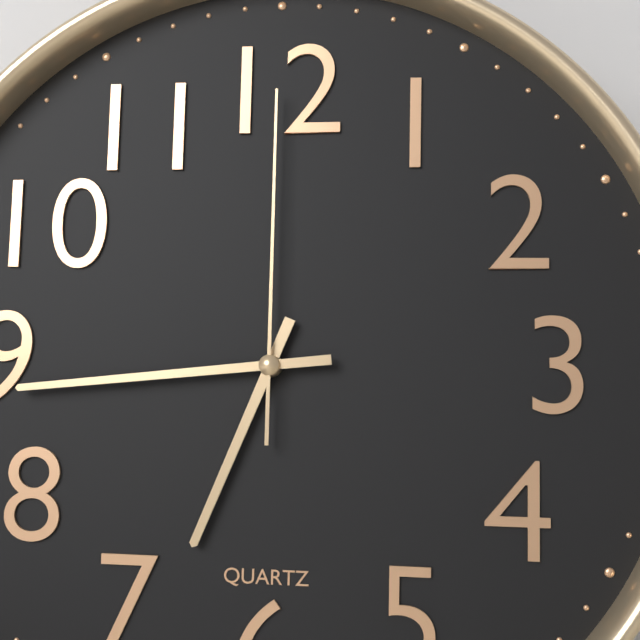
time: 6:44:00
